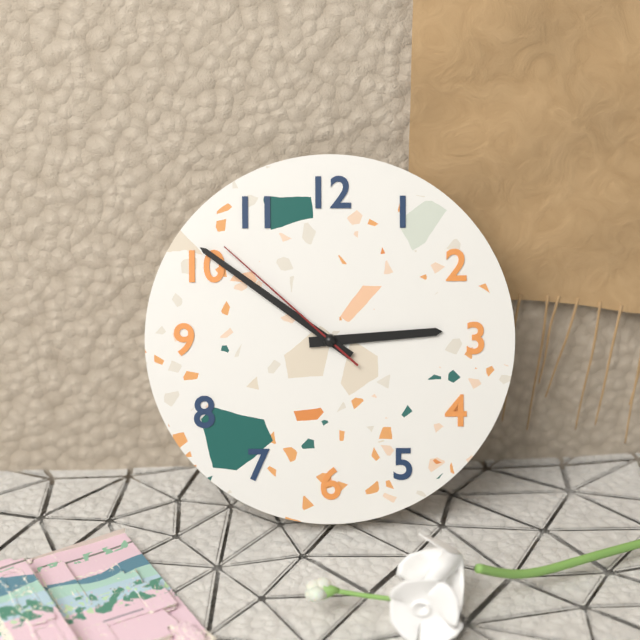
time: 2:51:52
